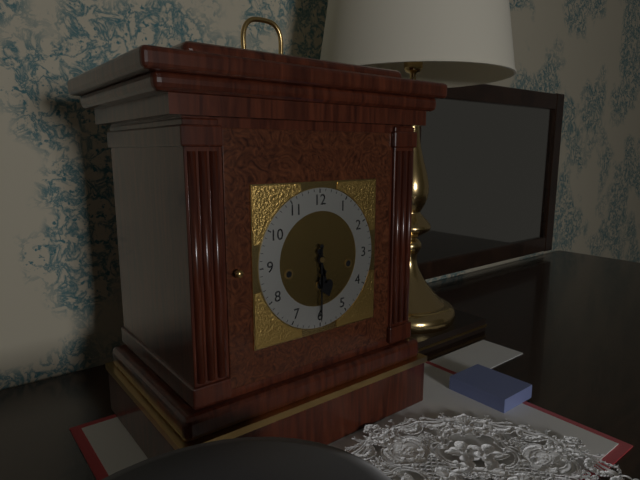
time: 5:30
